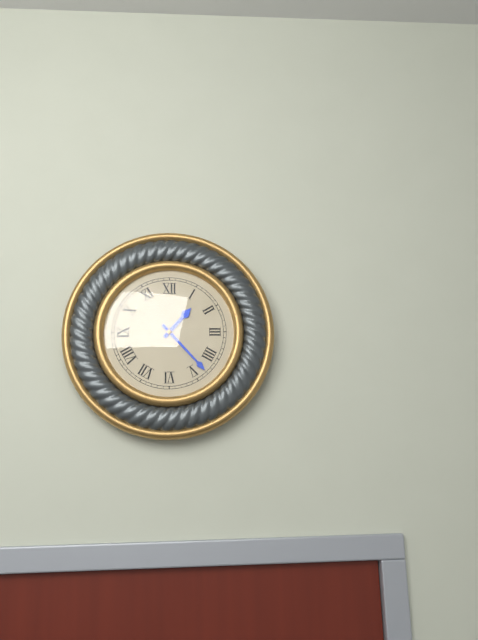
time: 1:23
